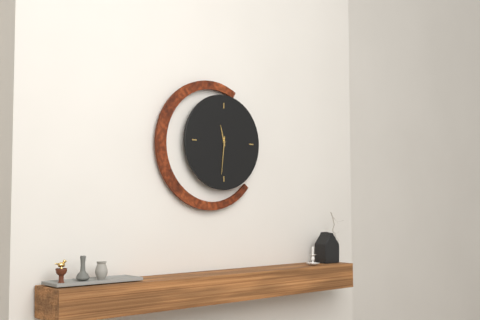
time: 11:31
